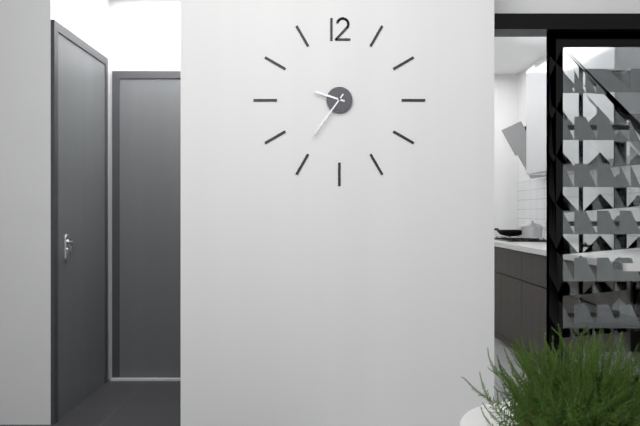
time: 9:36
